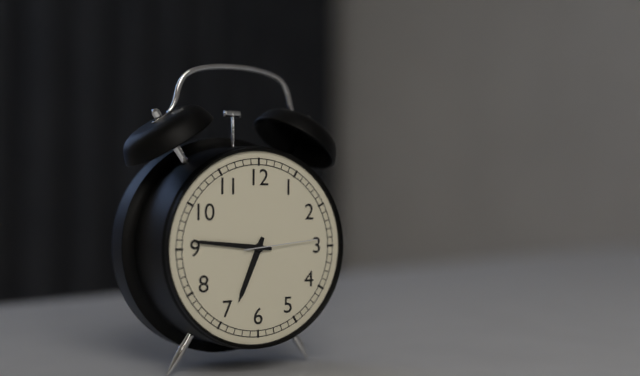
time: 6:46:14
